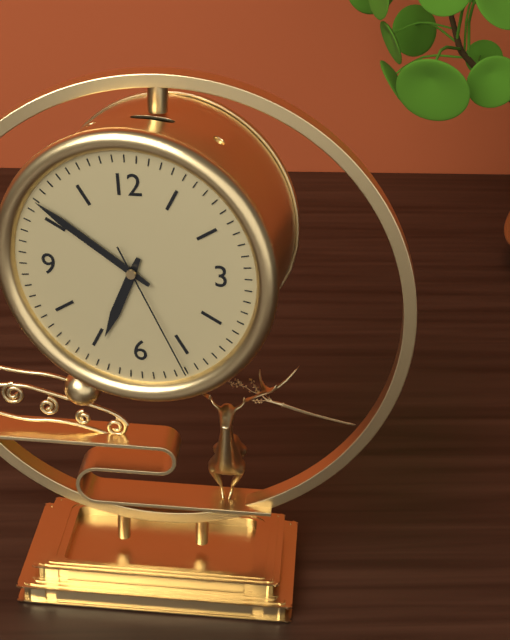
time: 6:51:26
